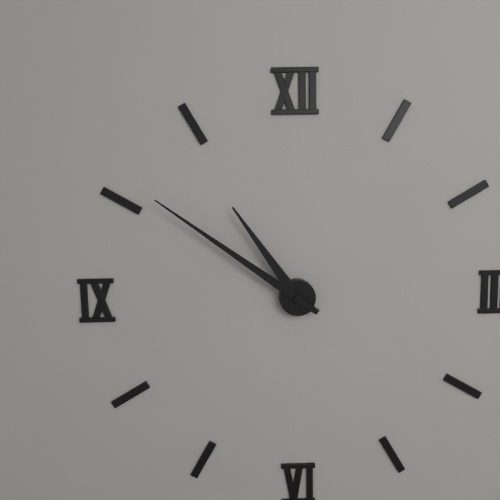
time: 10:51
